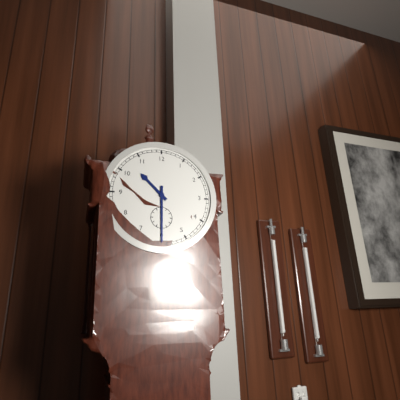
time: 10:30
